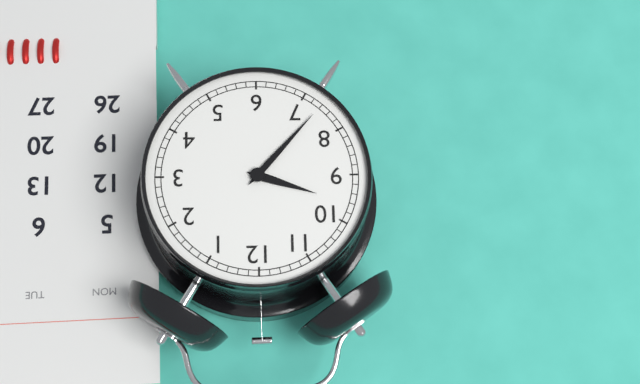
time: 9:37
